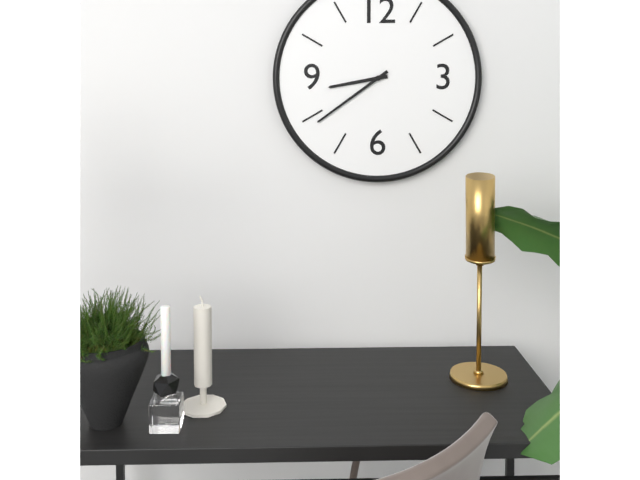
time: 8:39
